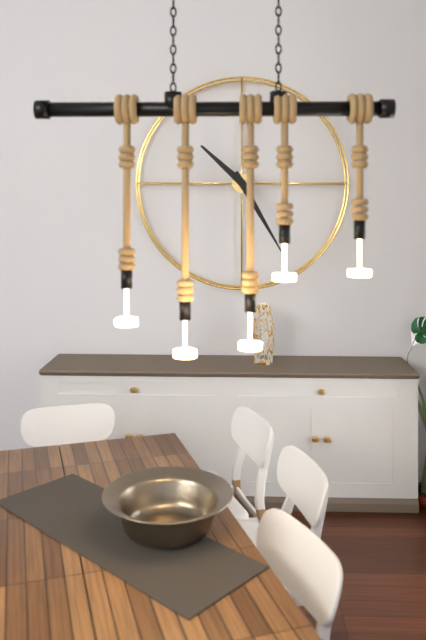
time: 10:25
